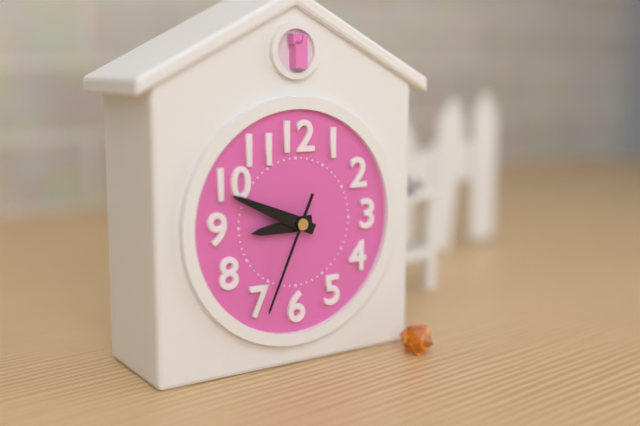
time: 8:49:34
